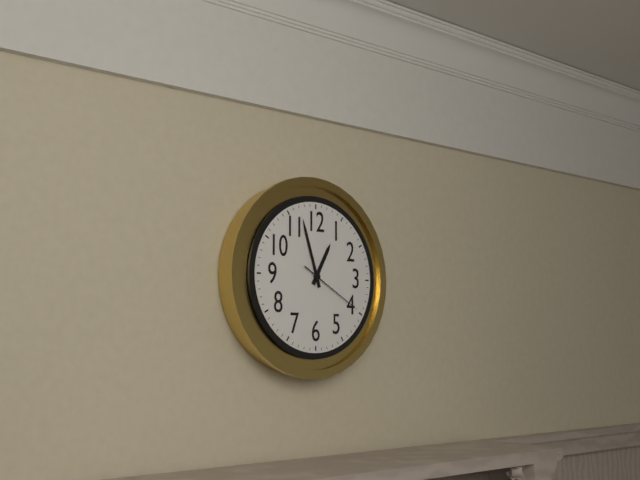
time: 12:57:20
